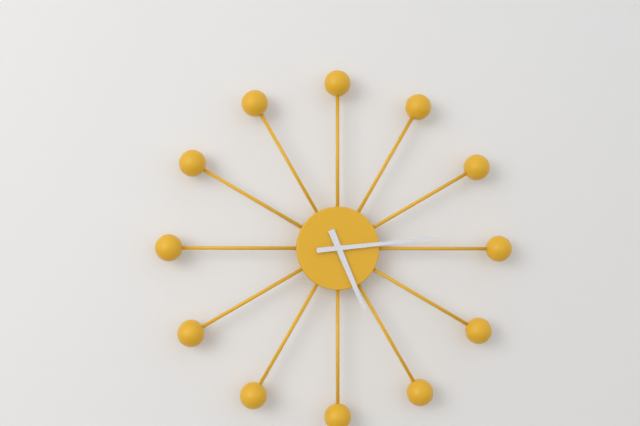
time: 5:14
